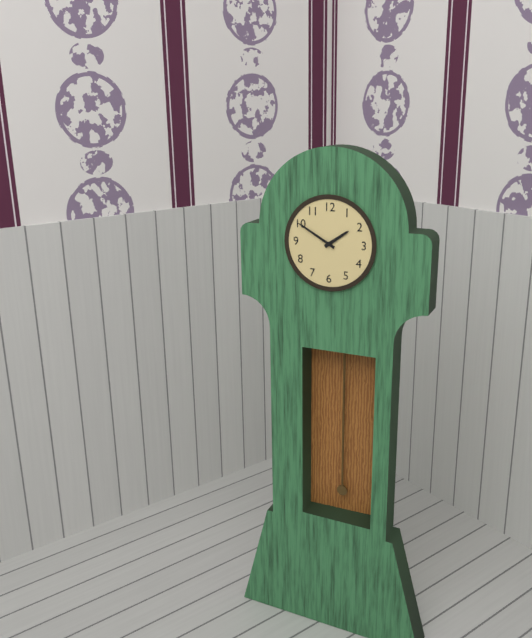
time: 1:50
